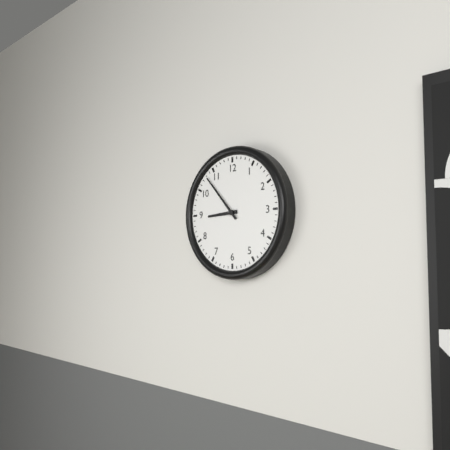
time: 8:53
